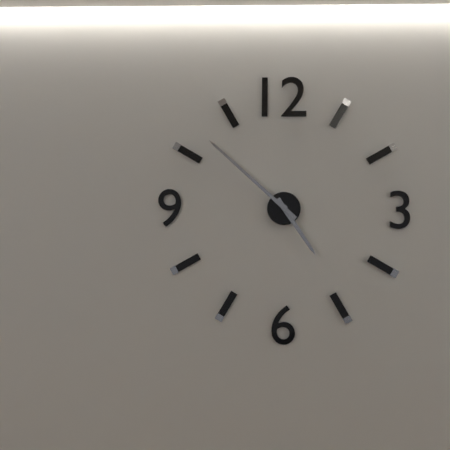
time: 4:52
